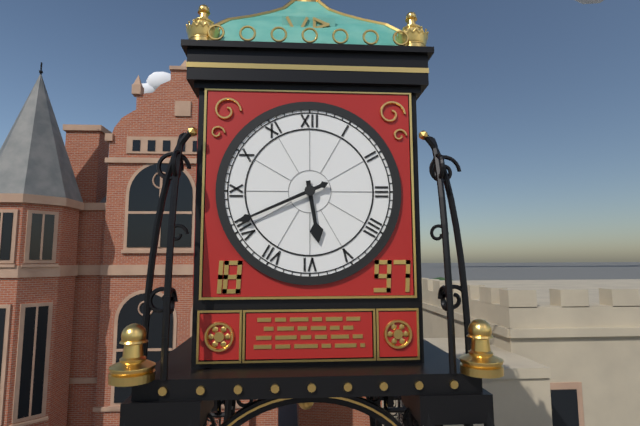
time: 5:41
